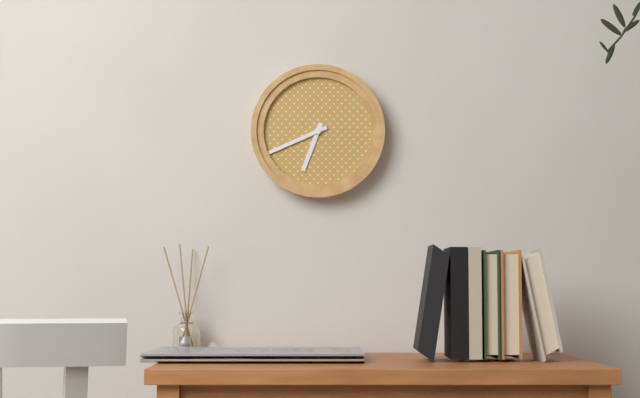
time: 6:41
